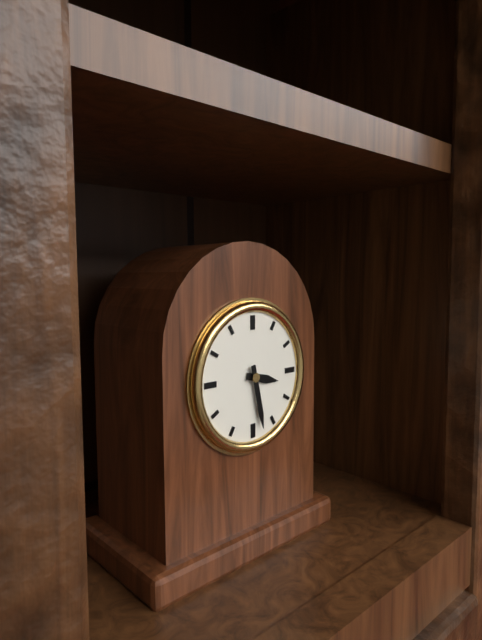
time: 3:28
